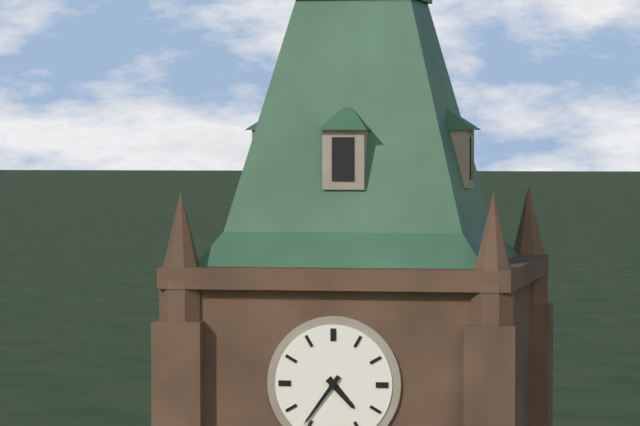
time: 4:36
